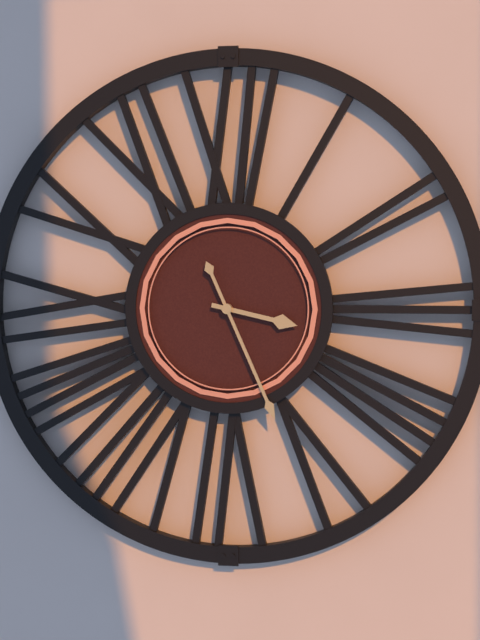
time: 3:26
